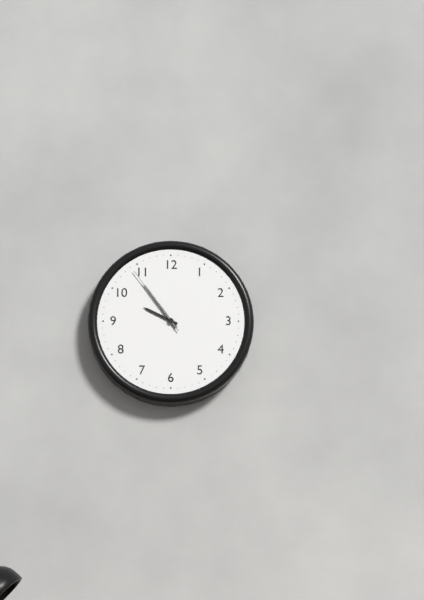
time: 9:54:54
